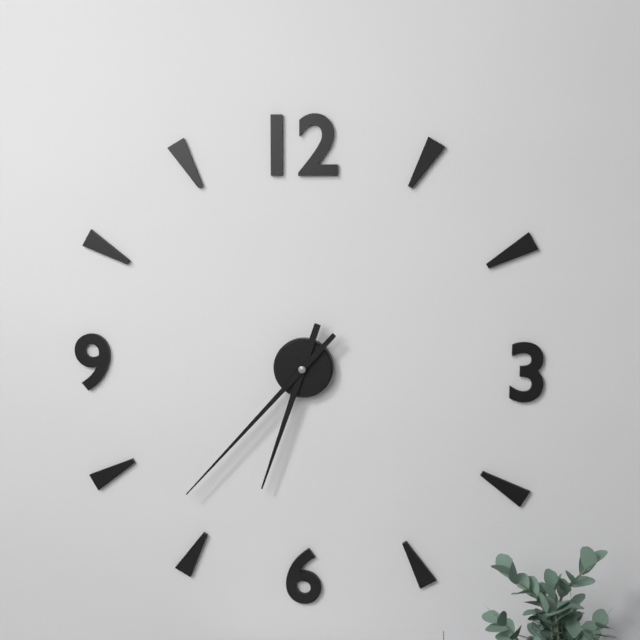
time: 6:37
